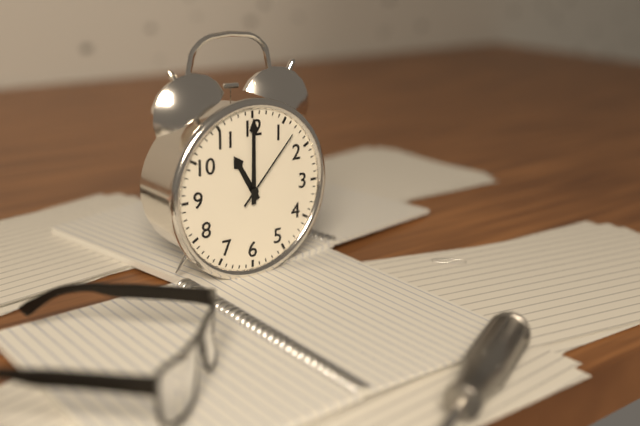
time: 11:00:07
